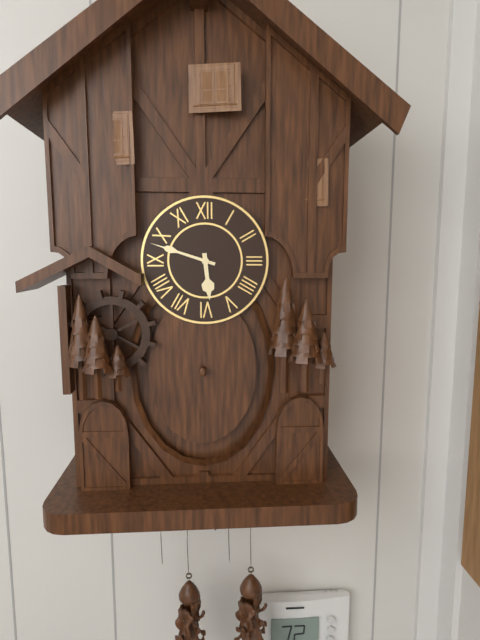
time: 5:48
